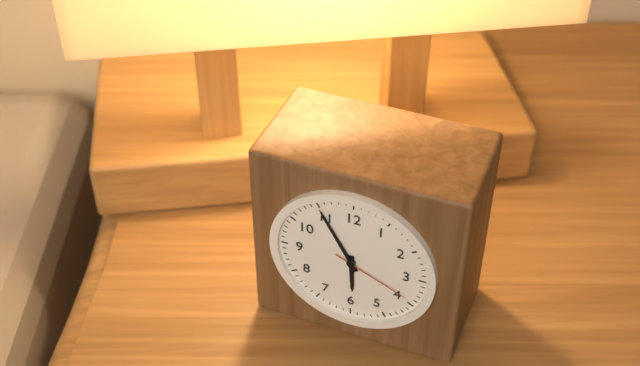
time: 5:55:19
